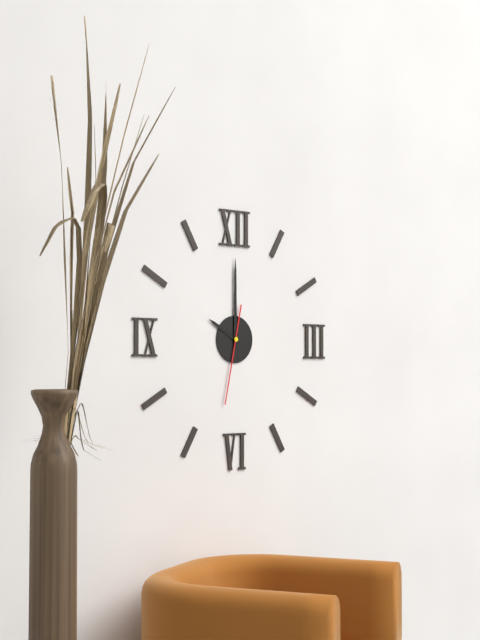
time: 10:00:32
